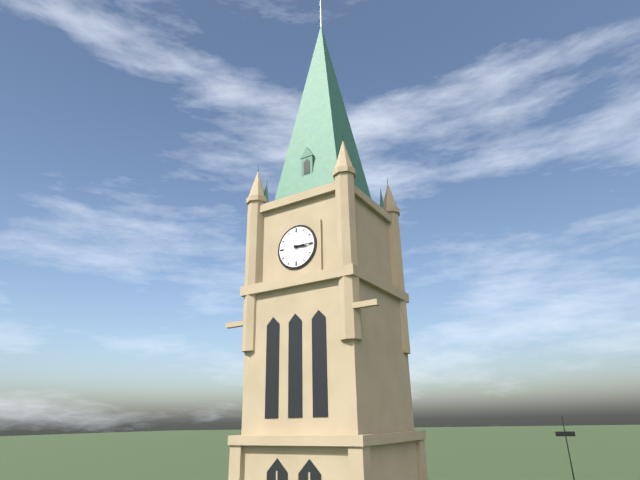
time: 3:15
